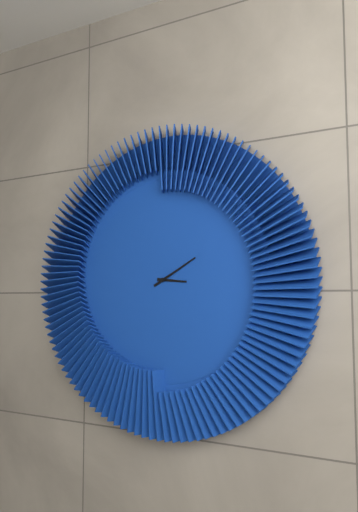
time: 3:10
